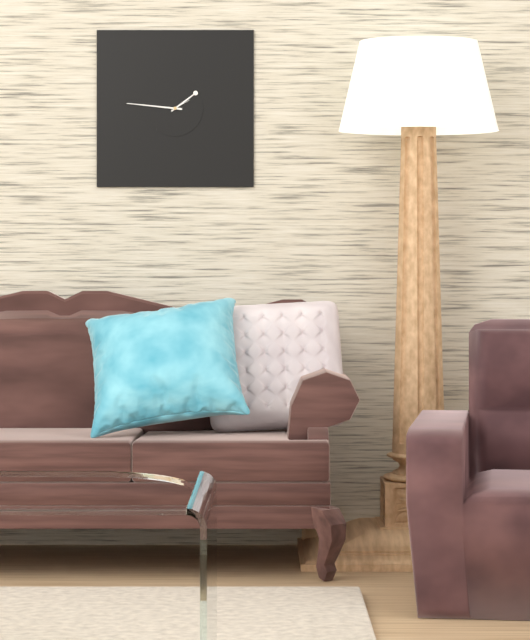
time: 1:46
